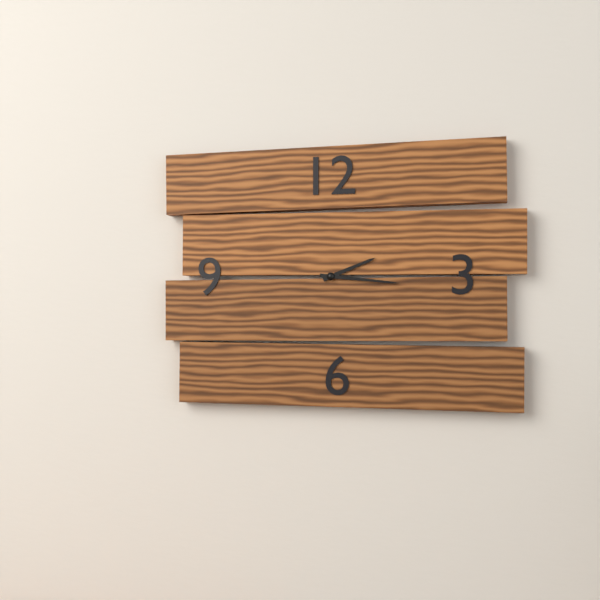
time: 2:16
